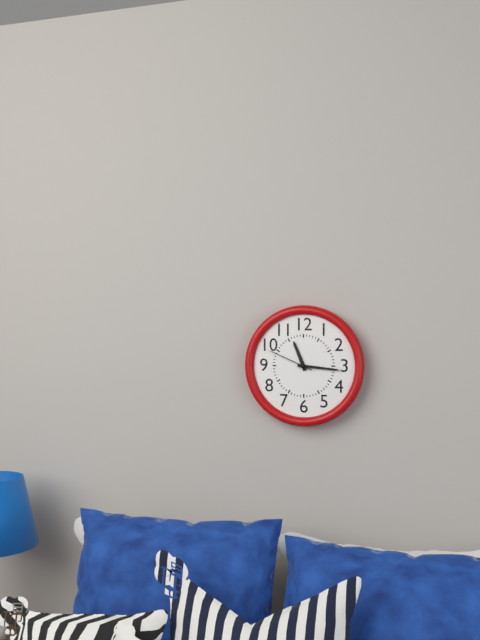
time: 11:16
